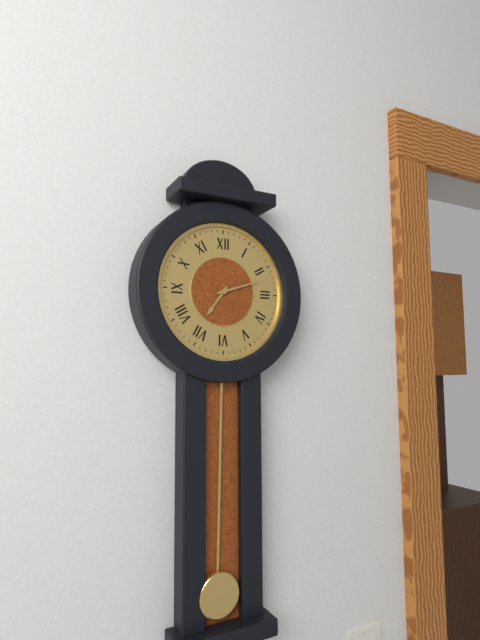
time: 7:12
